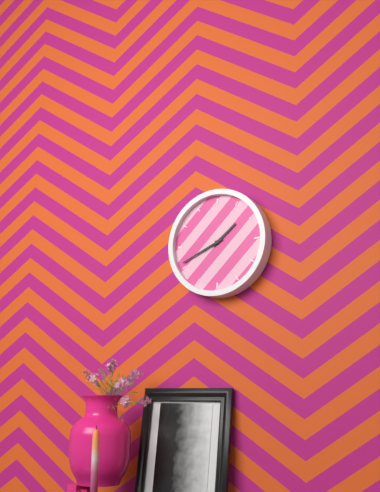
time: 1:41
